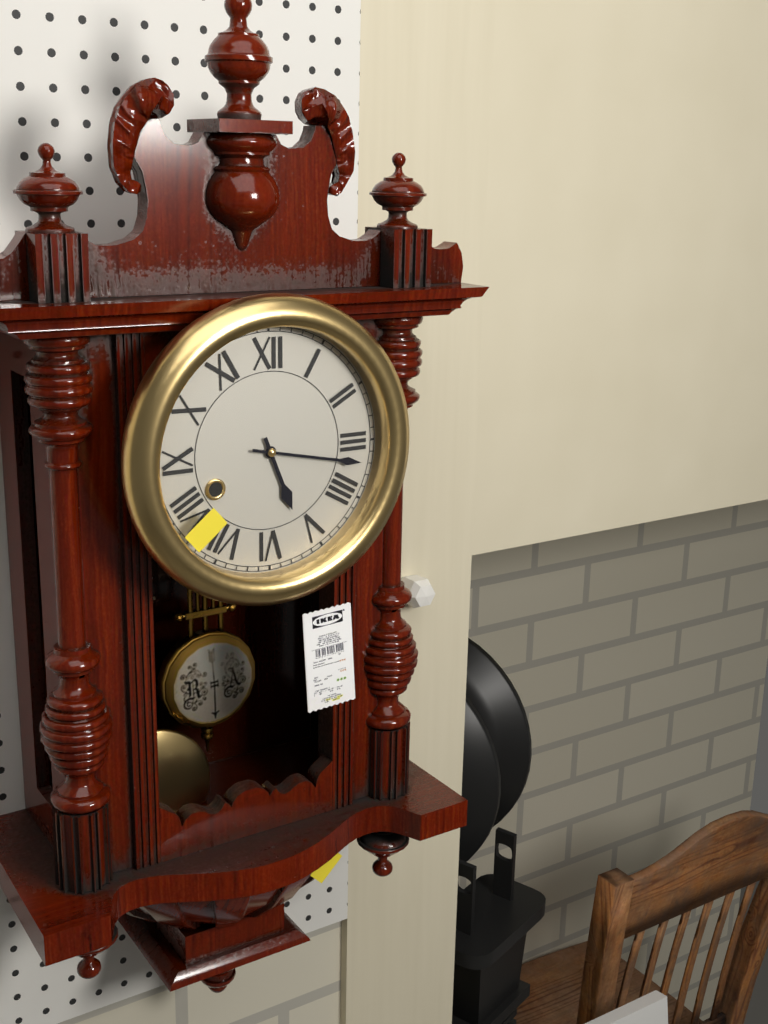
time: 5:17
